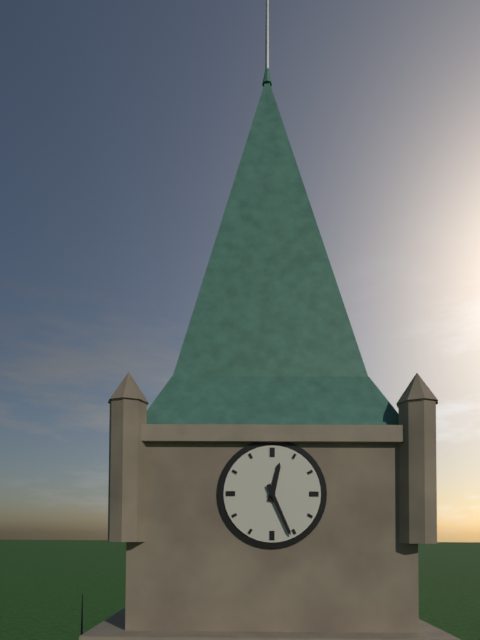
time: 12:26
